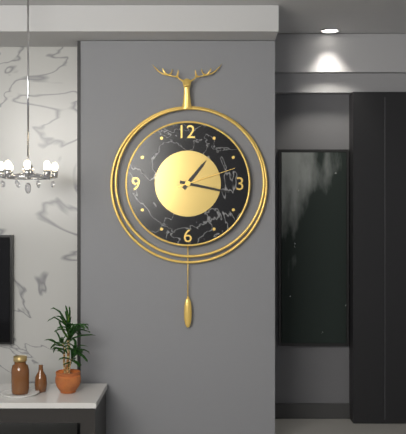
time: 1:17:12
